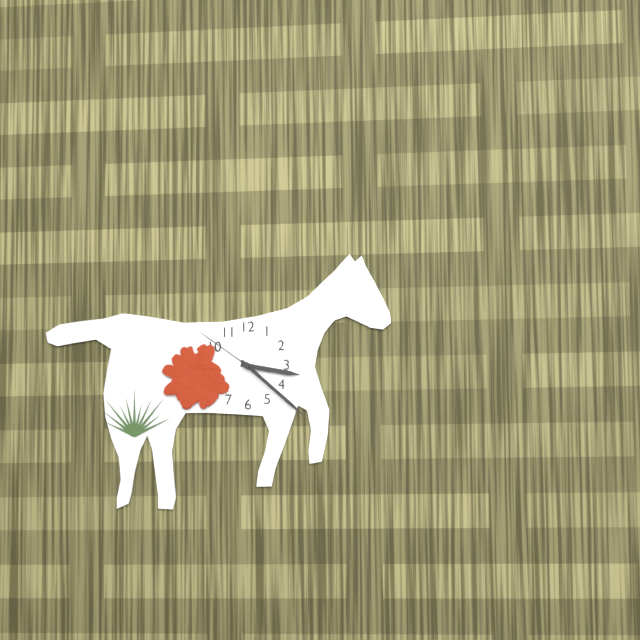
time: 3:22:51
